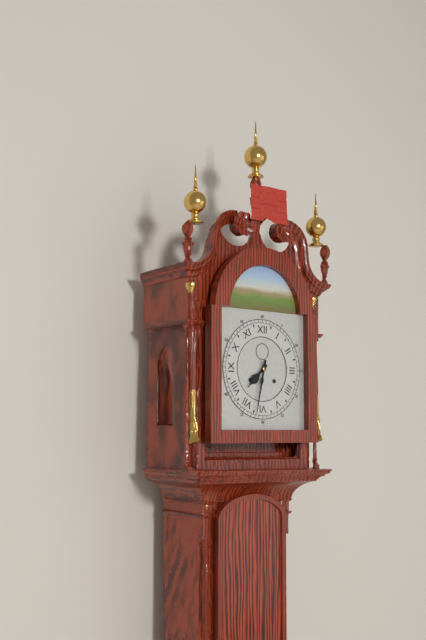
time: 7:32
